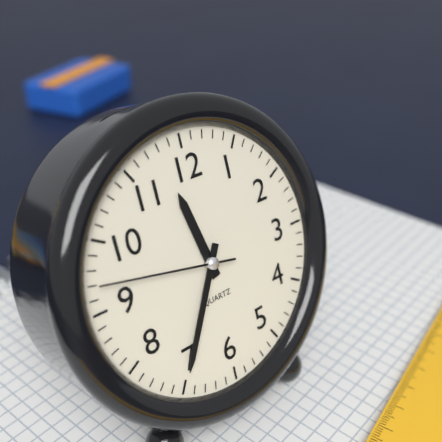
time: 11:35:47
